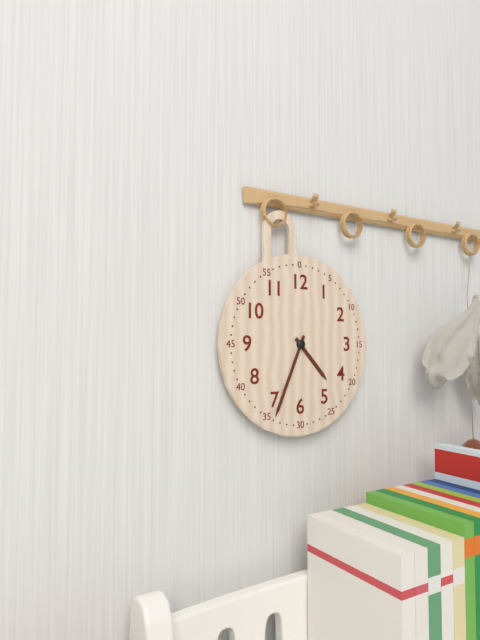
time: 4:34
